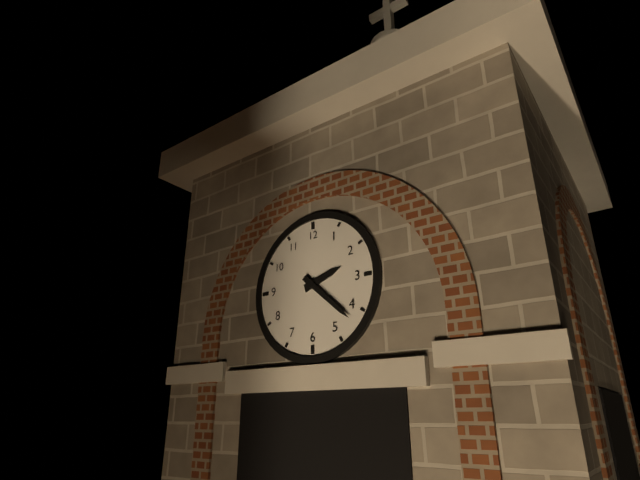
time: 2:22
